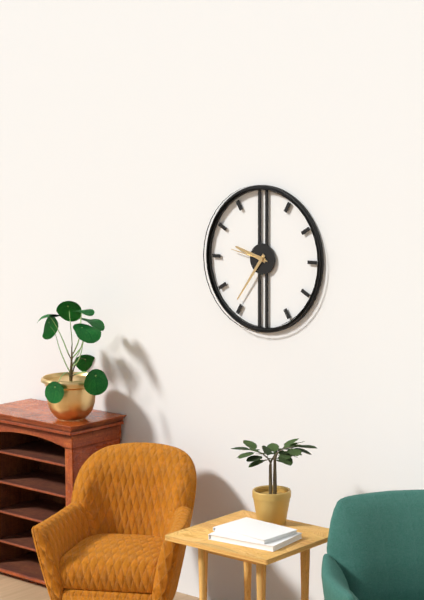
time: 9:36
